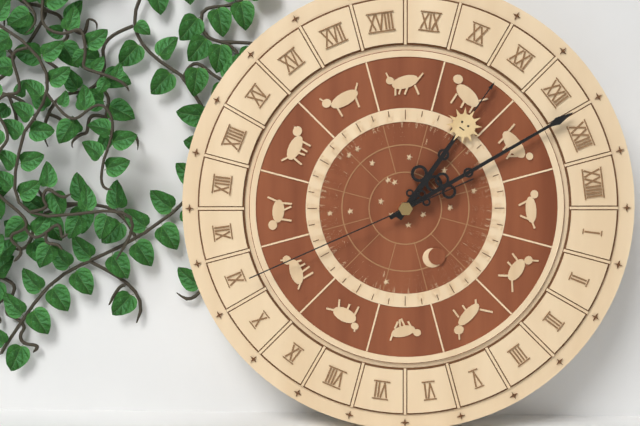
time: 1:10:41
